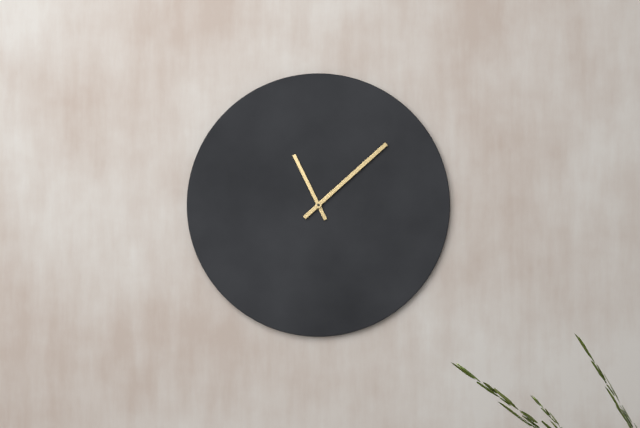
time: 11:08
